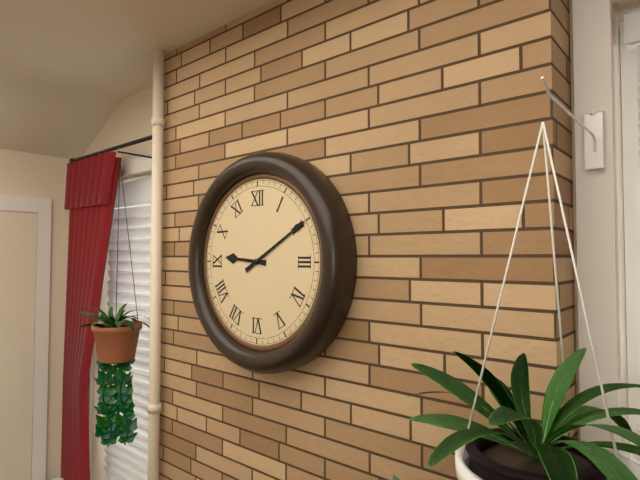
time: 9:10
